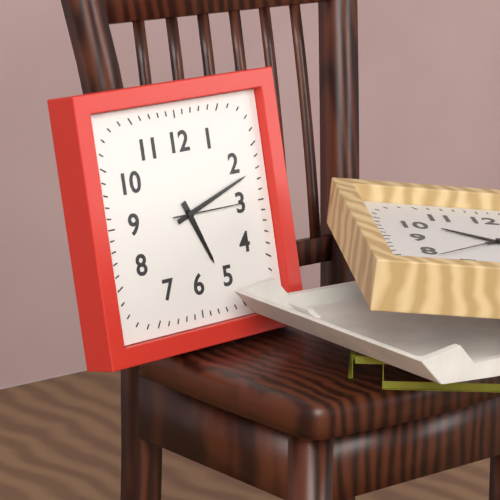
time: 5:12:15
